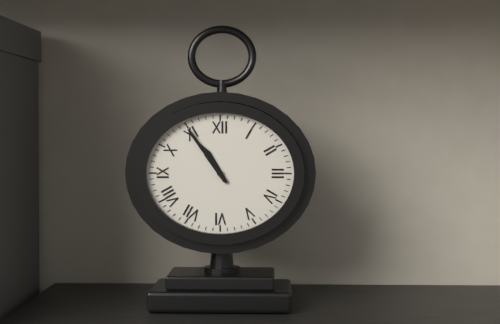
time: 10:54
